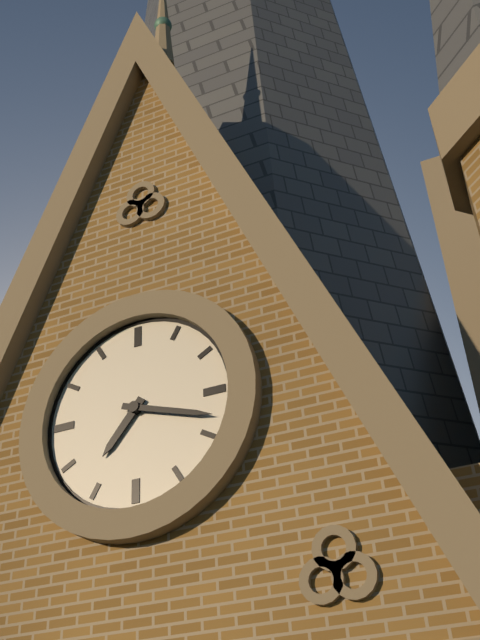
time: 7:18
